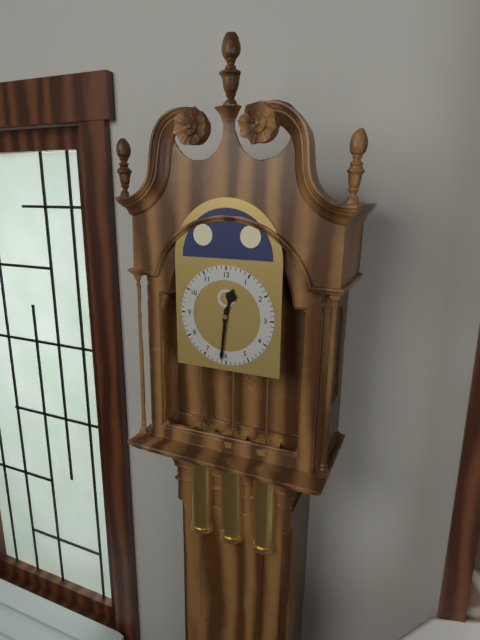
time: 12:31
